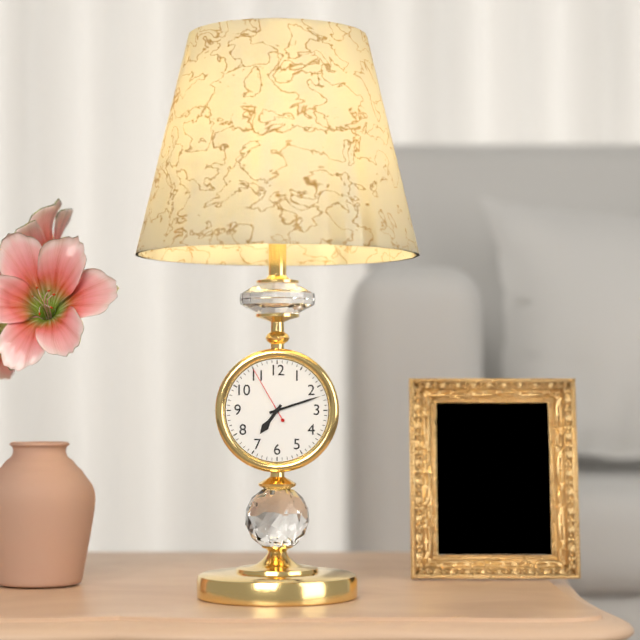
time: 7:12:55
